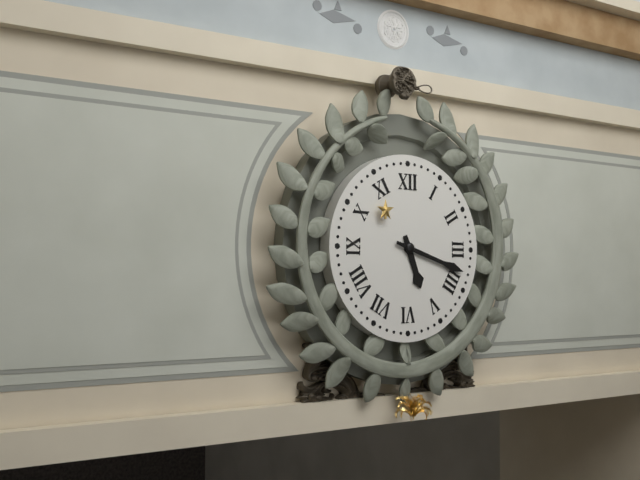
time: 5:18
